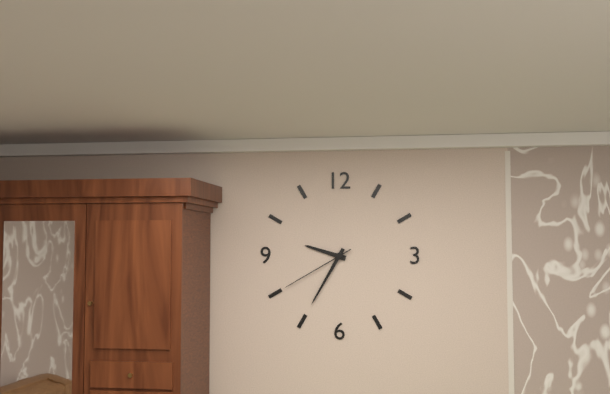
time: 9:35:40
